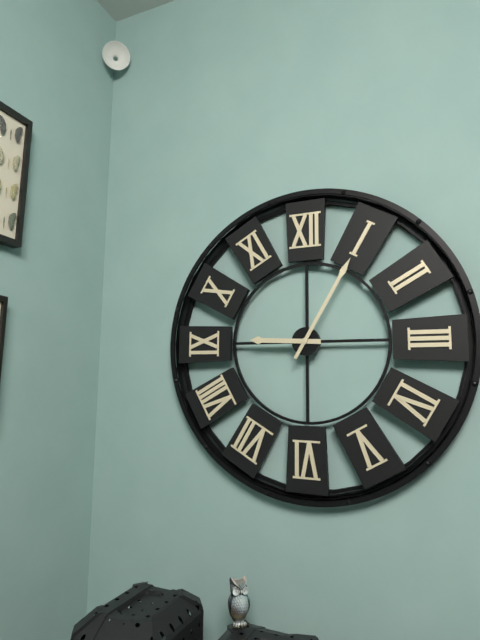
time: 9:05
